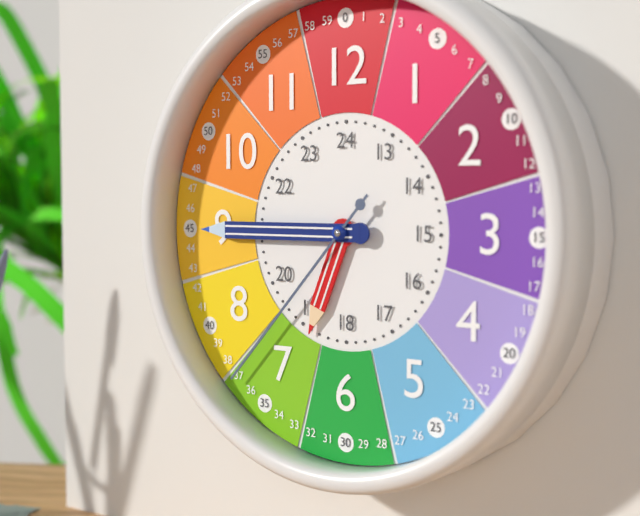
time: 6:45:37
